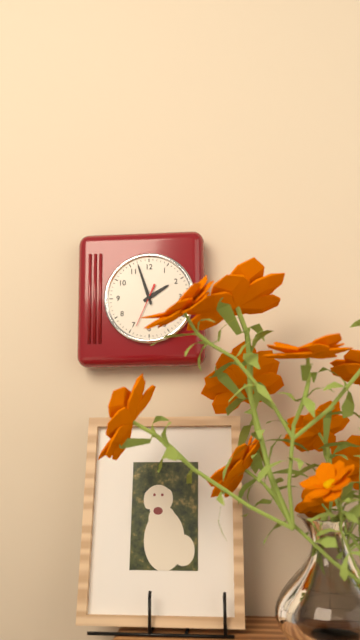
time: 1:57
